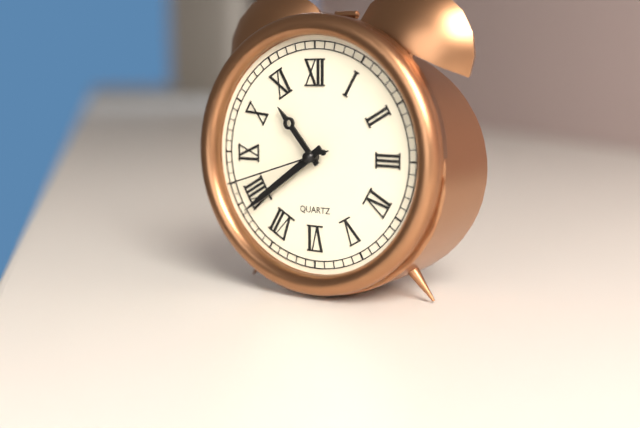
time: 10:39:42
